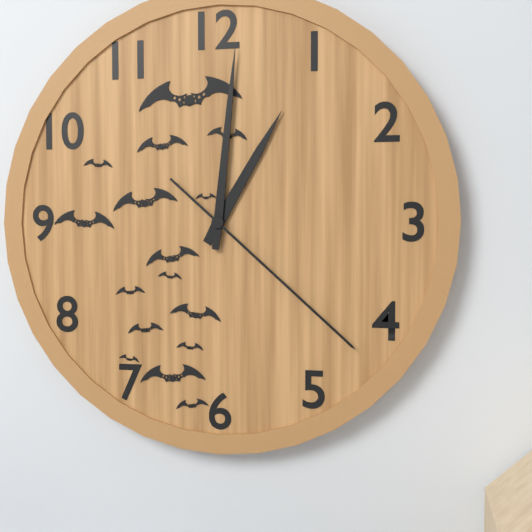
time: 1:01:22
